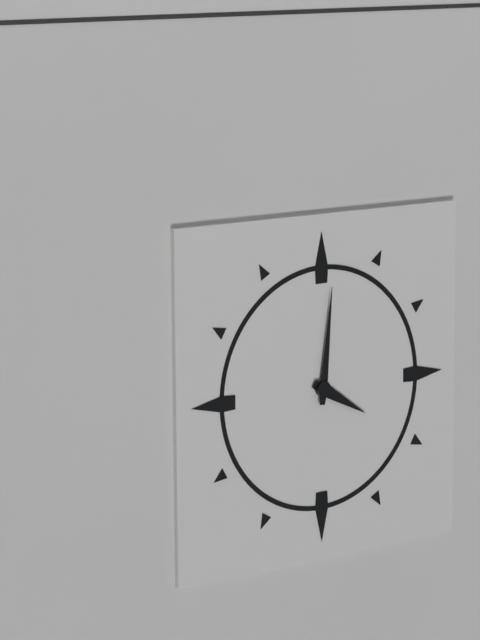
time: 4:01
